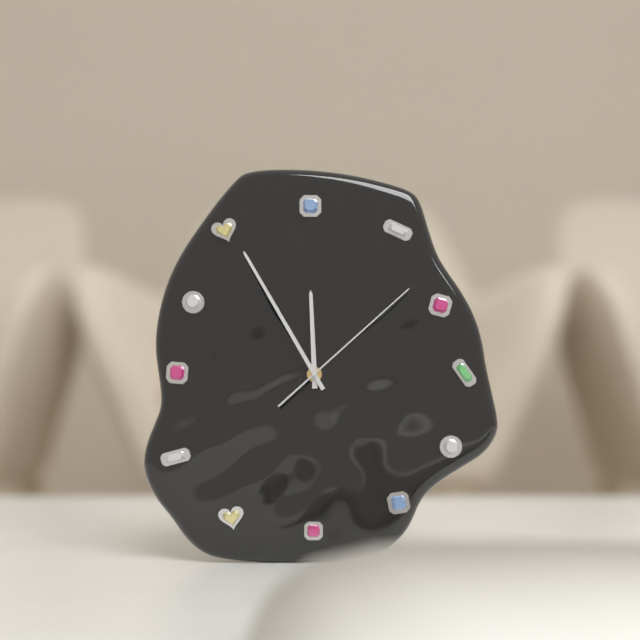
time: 11:55:08
